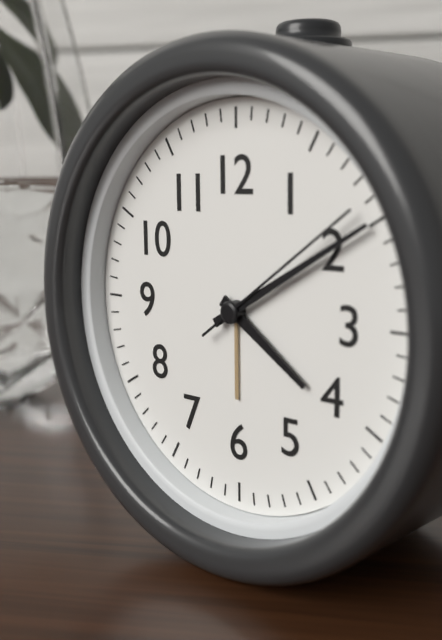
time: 4:10:09
